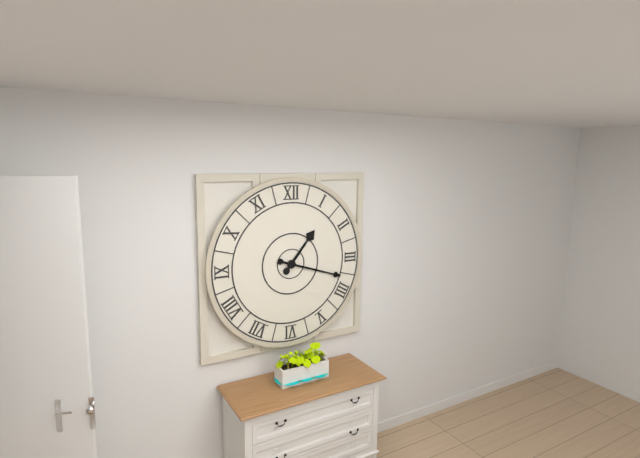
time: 1:18
